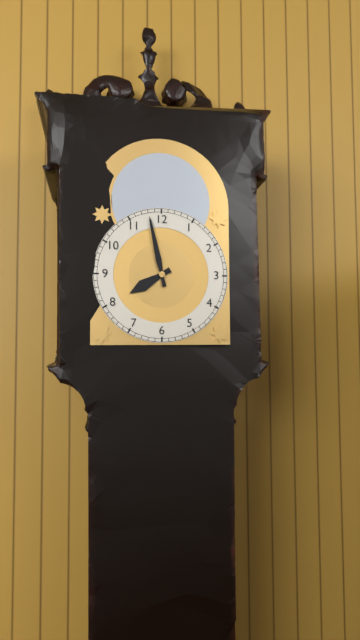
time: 7:58
